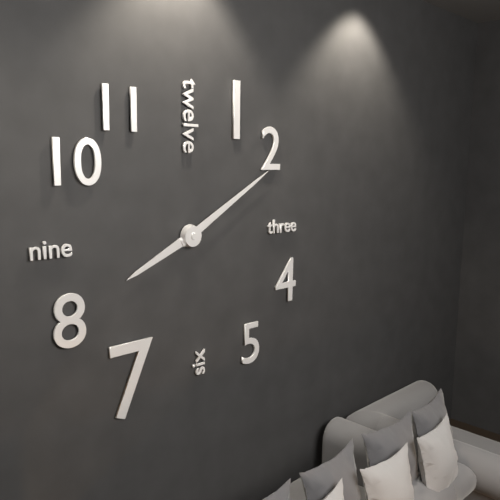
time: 8:10
